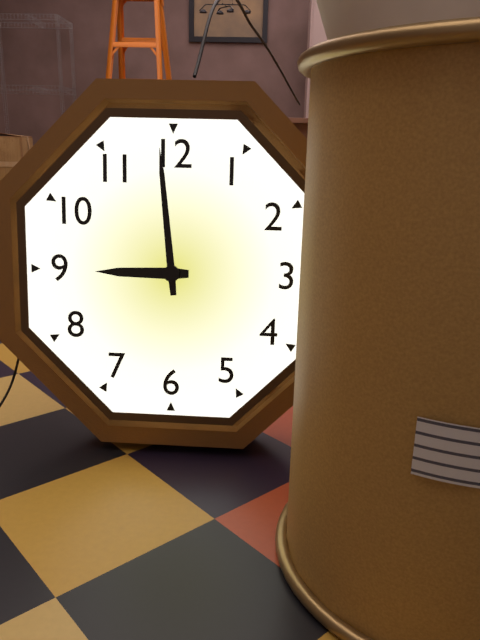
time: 8:59
